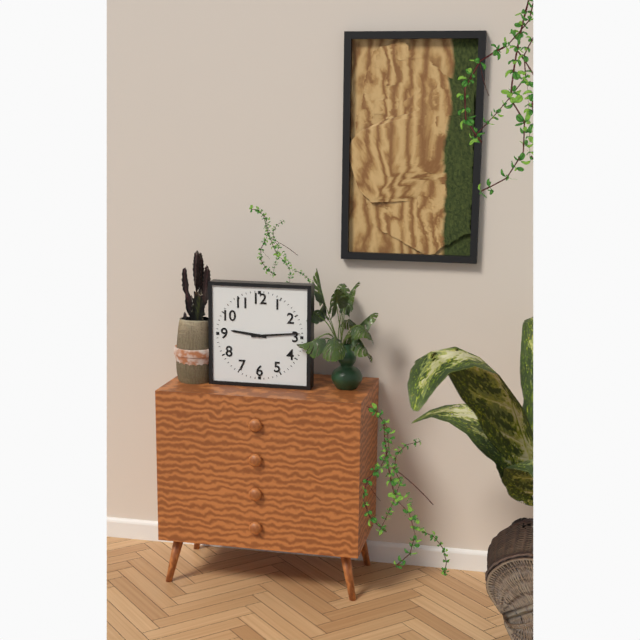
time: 9:14
